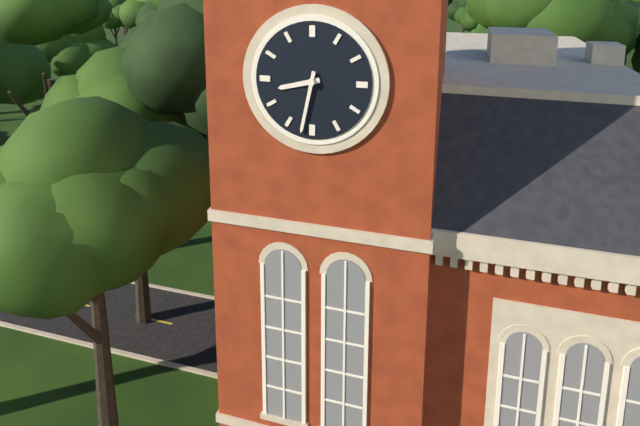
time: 8:32
